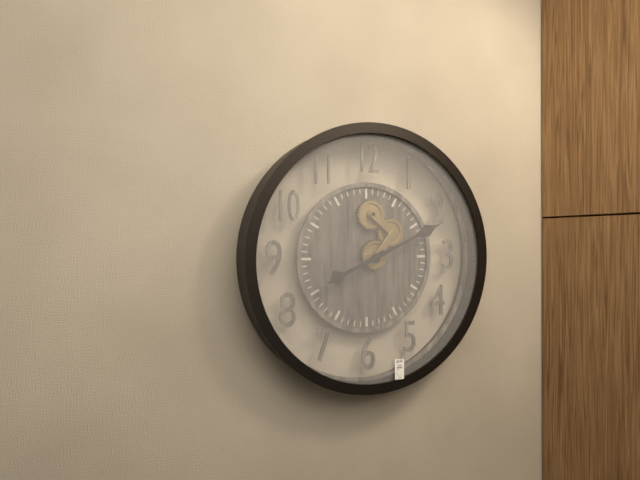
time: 8:11
